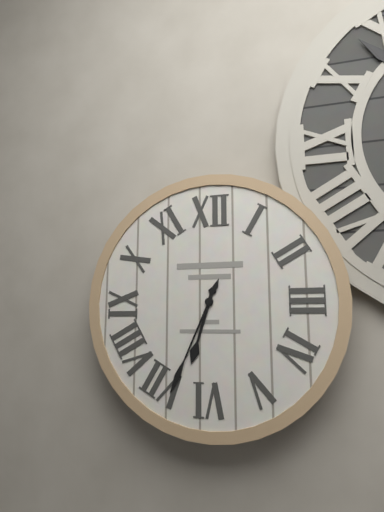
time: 6:34
